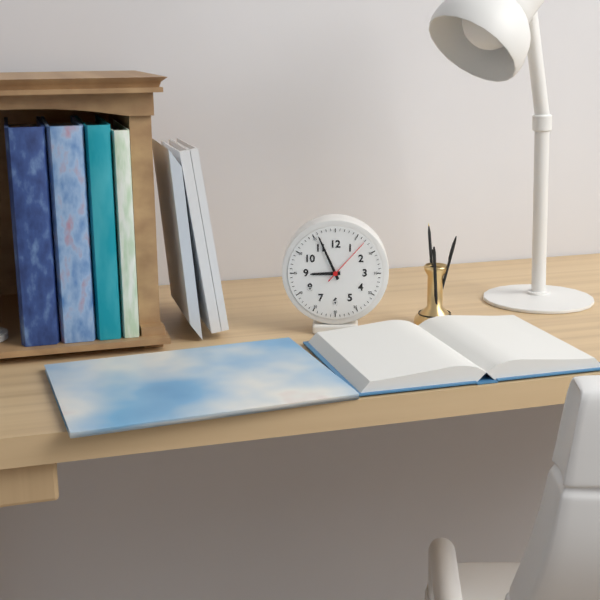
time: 8:56:07
